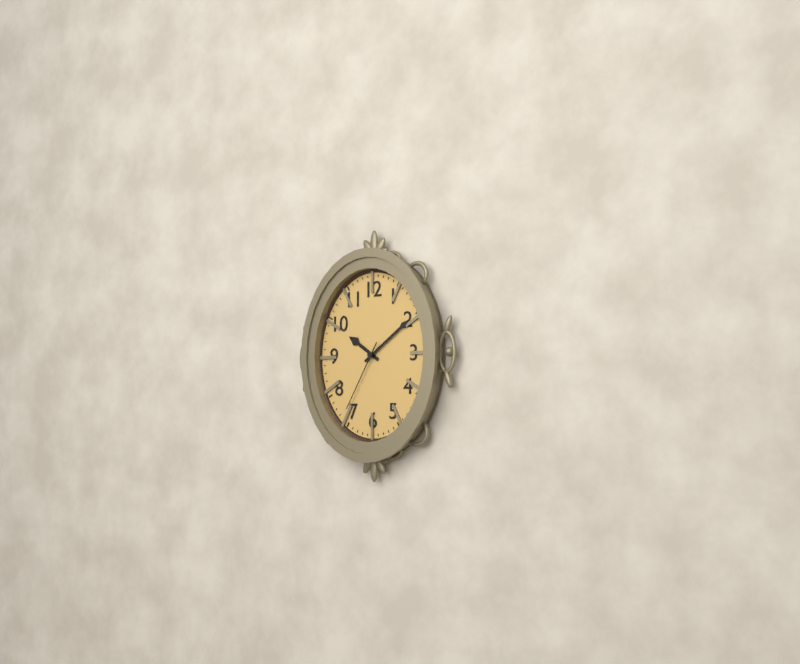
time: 10:09:35
